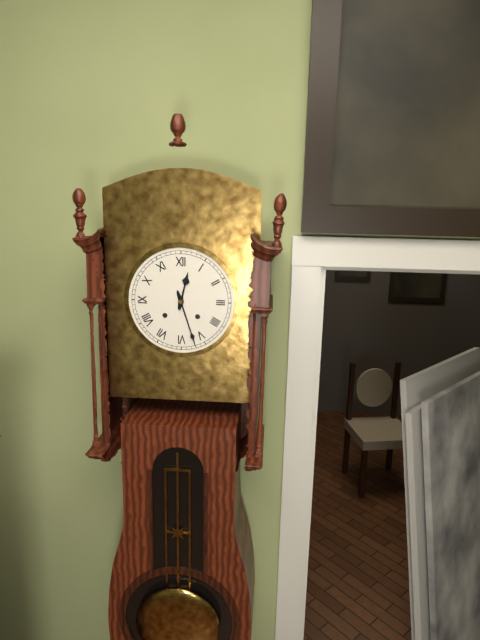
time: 12:27
